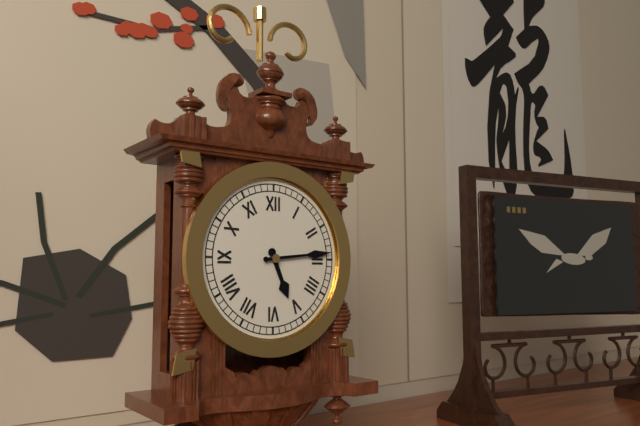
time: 5:14
